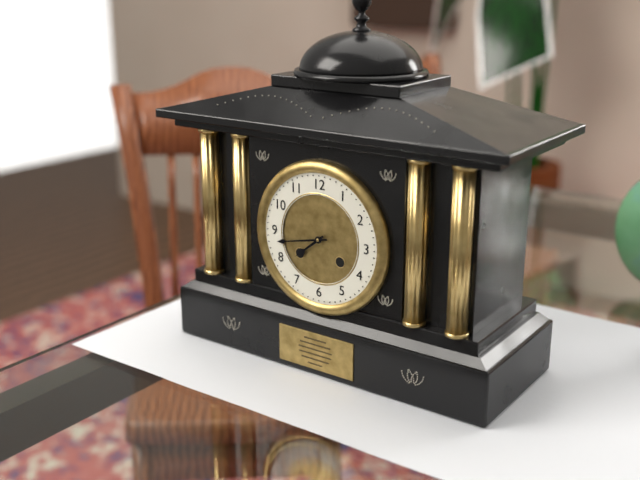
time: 7:43
